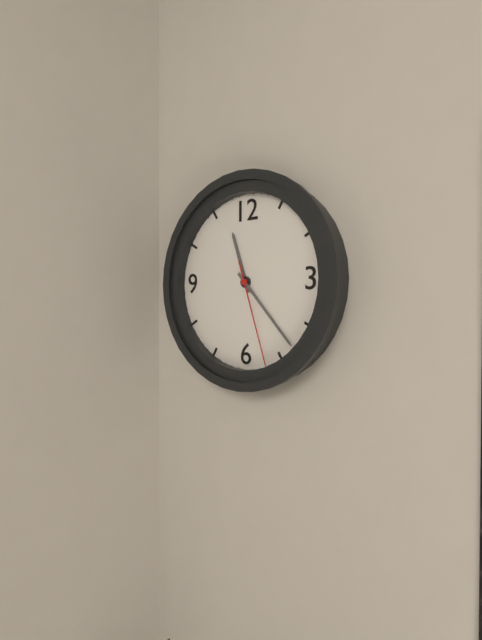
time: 11:23:27
